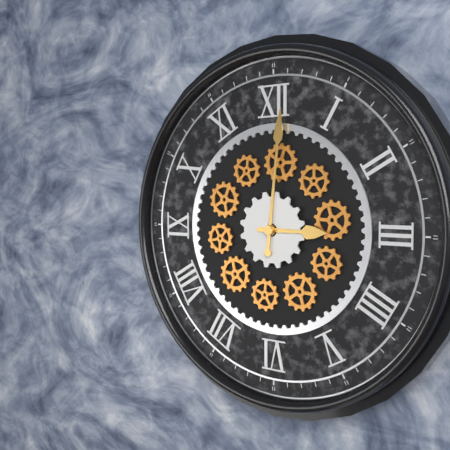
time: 3:01
